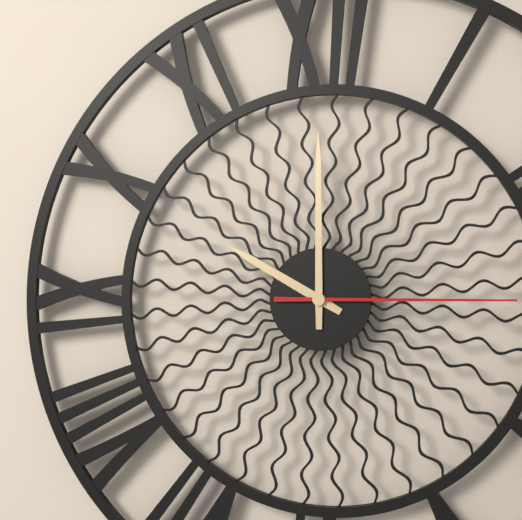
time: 10:00:15
